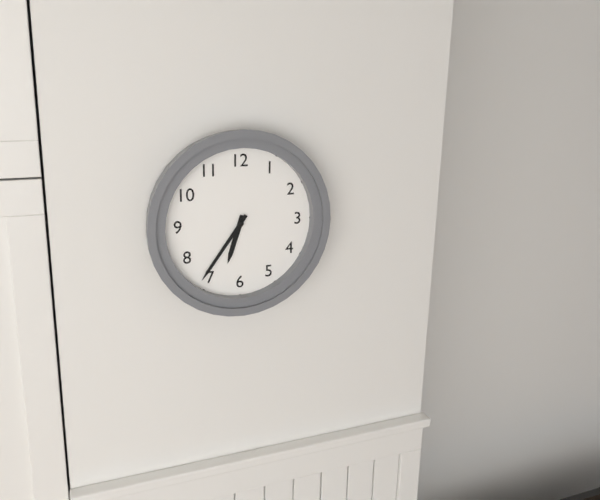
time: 6:36
